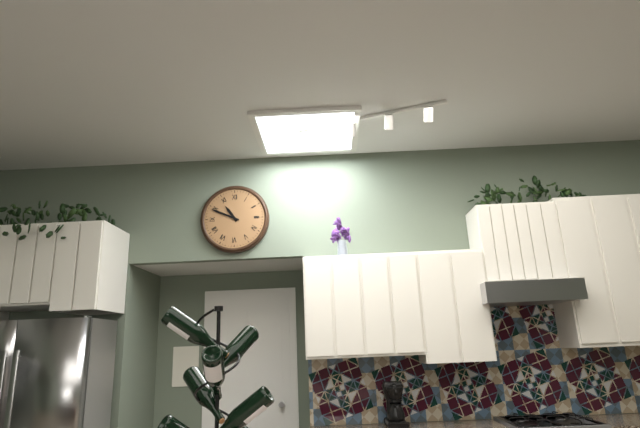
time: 10:49
